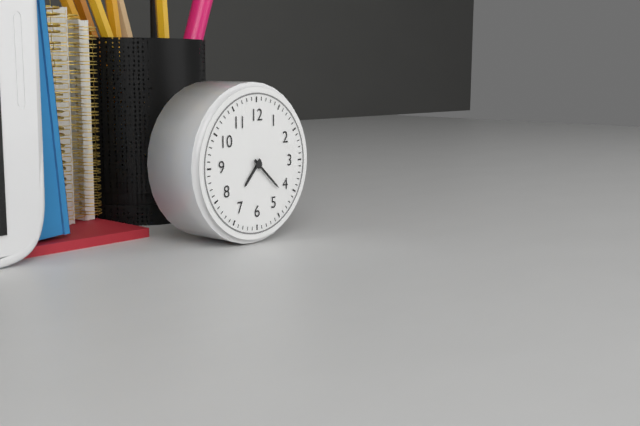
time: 7:22
